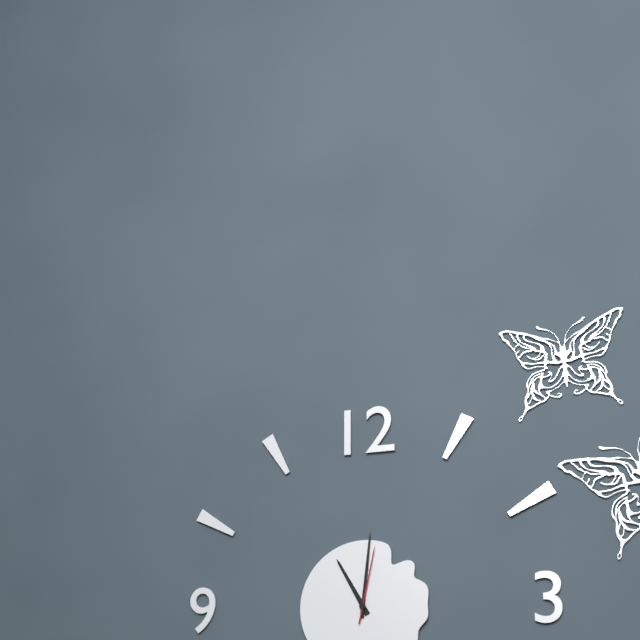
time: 11:01:02
